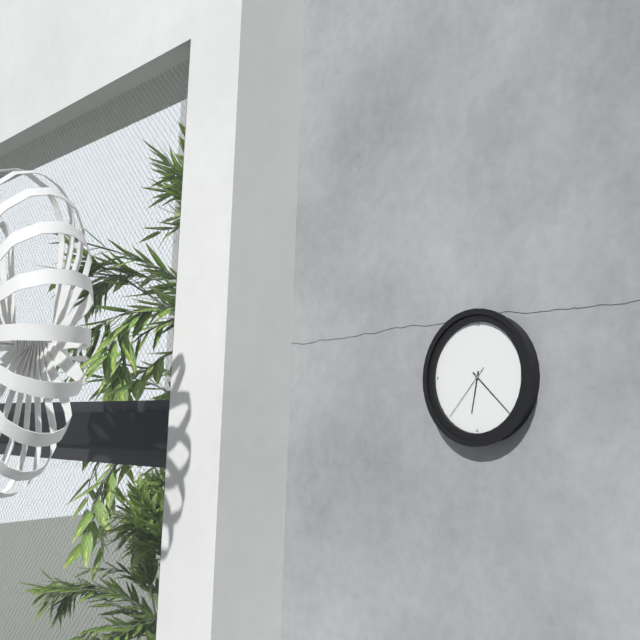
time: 6:22:37
